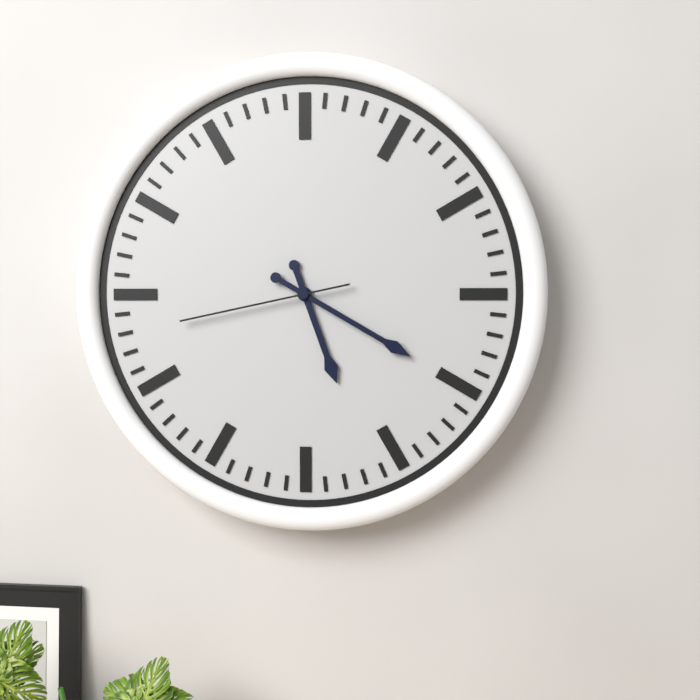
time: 5:20:43
